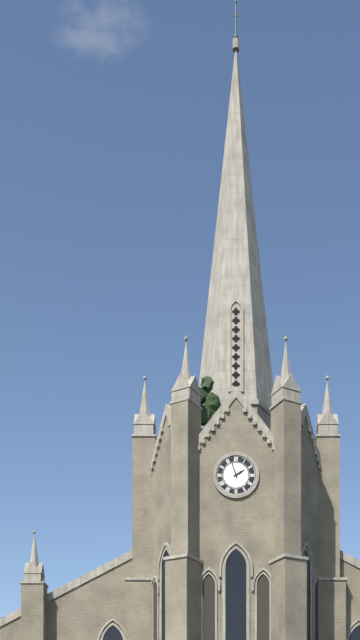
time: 1:57
